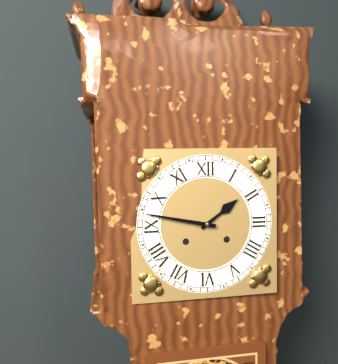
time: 1:47
